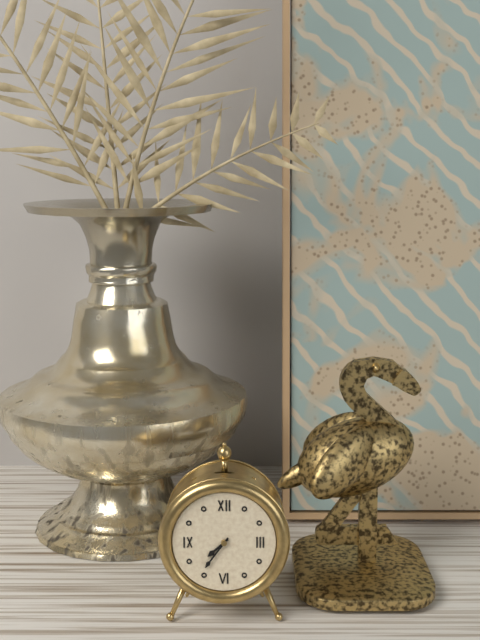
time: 7:36
